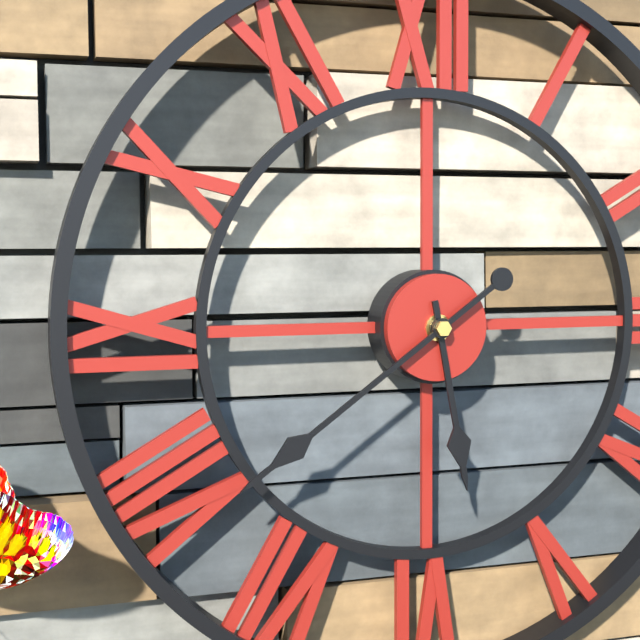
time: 5:39
